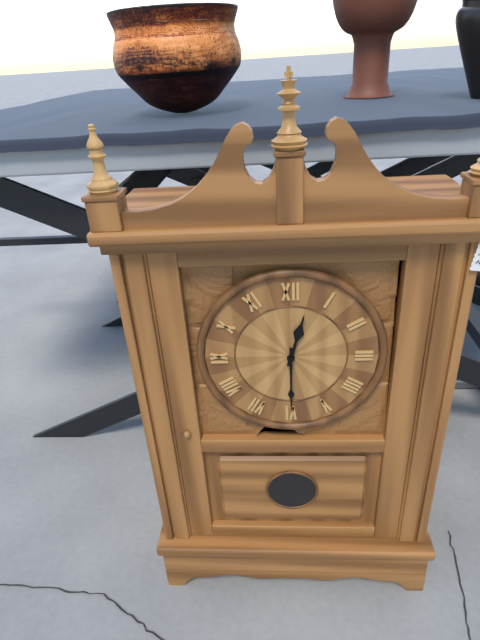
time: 12:30
